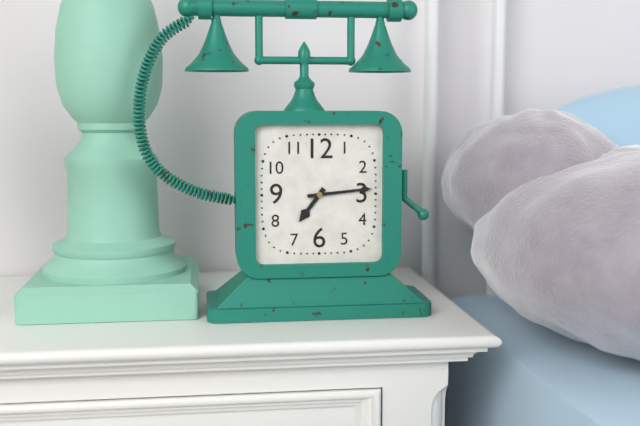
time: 7:14
